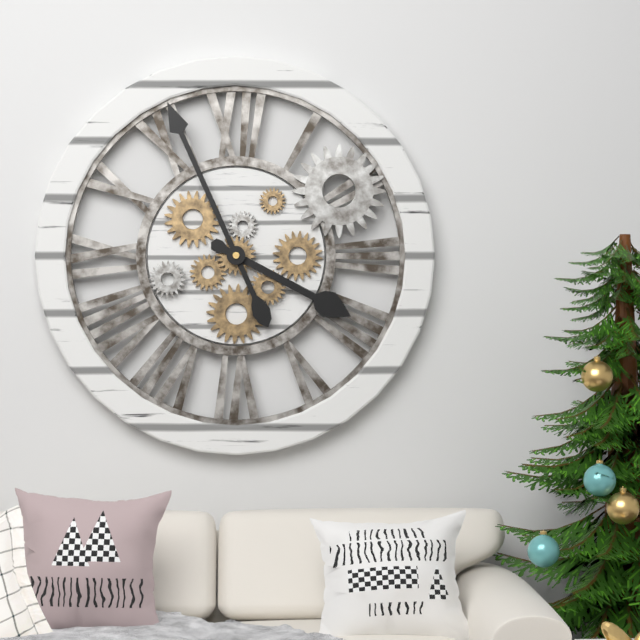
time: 3:56
